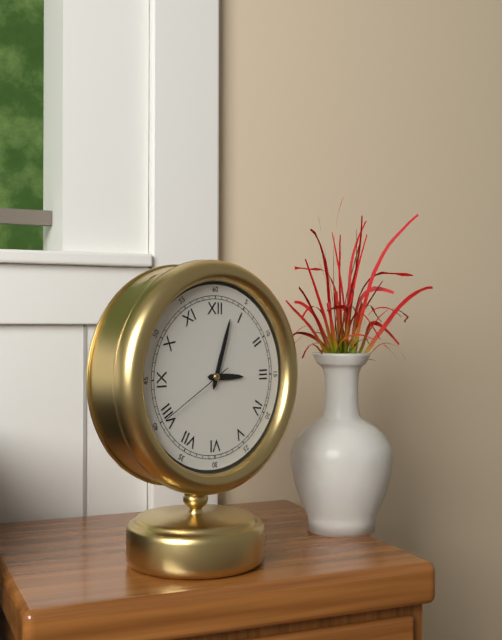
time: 3:03:40
